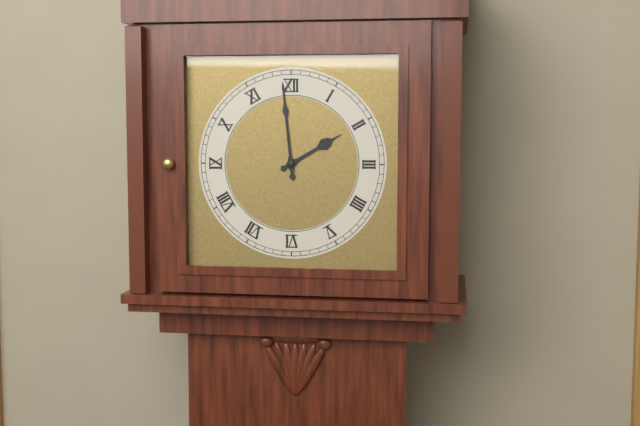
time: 1:59
